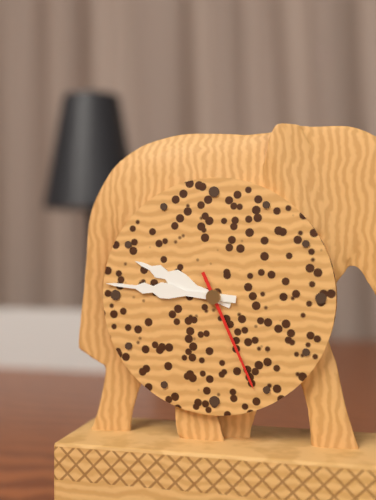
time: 9:46:26
